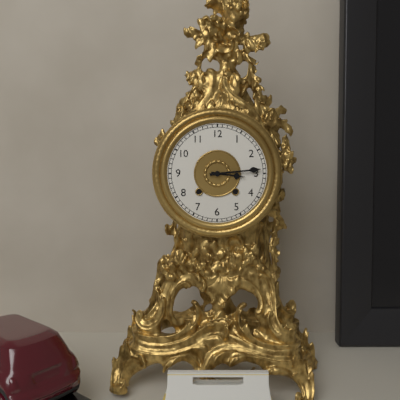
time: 3:14
